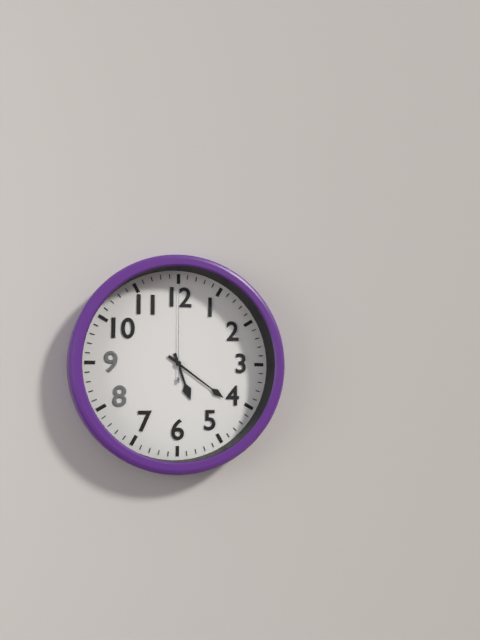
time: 5:21:00
